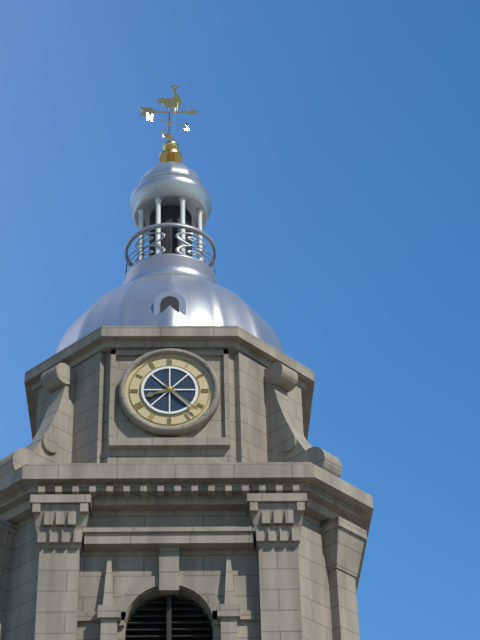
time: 8:22
